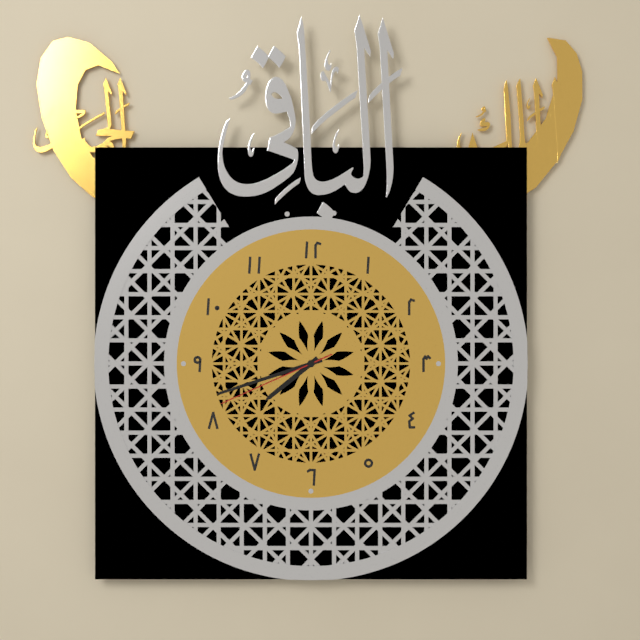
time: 7:42:41
